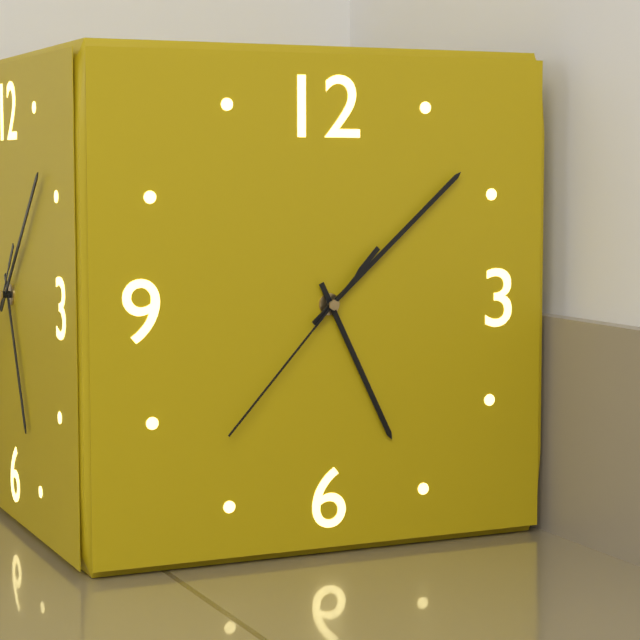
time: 5:08:37
